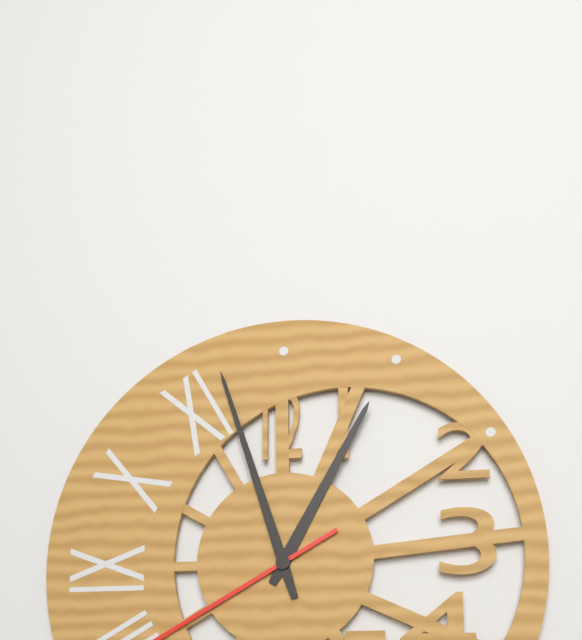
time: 12:57
